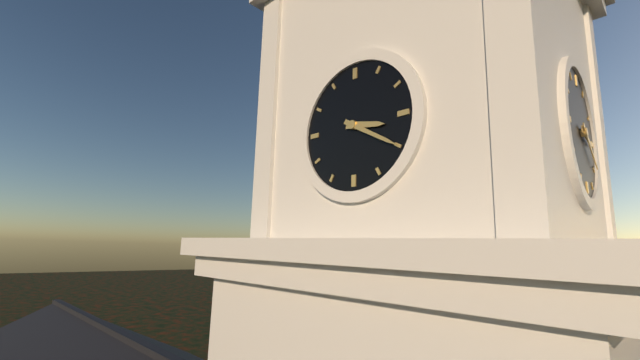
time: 3:20
